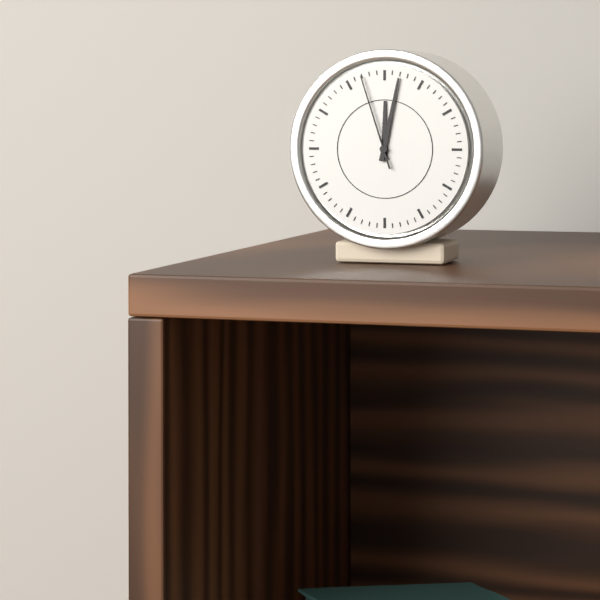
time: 12:02:57
